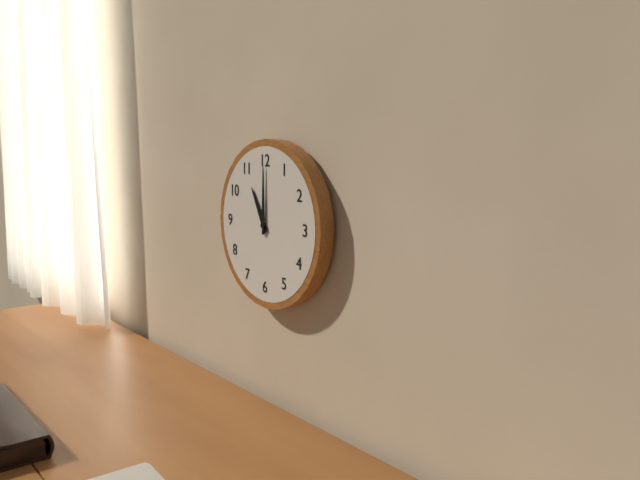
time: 11:00
